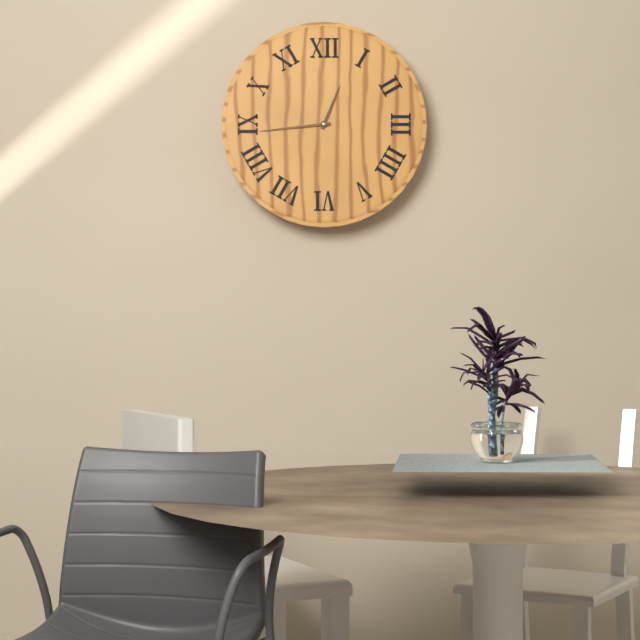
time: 12:44
